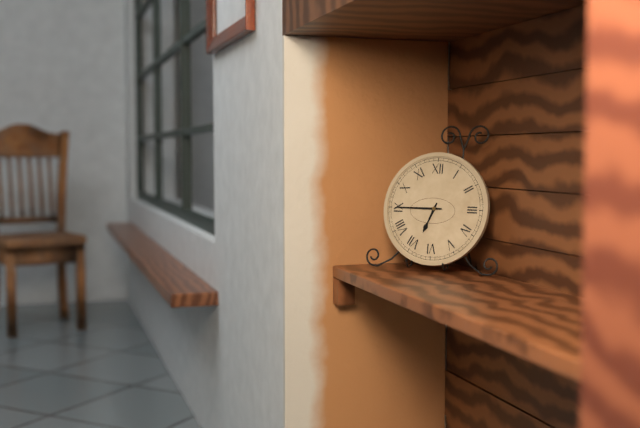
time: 6:45
